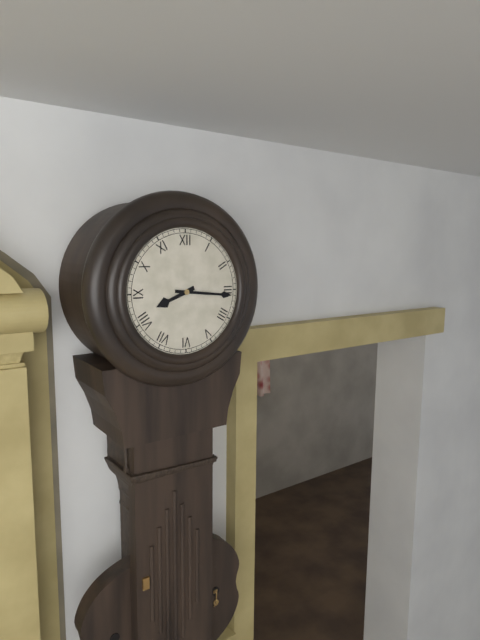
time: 8:16
